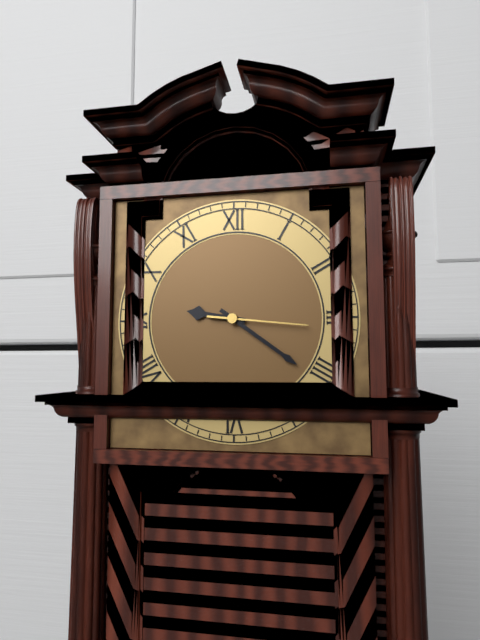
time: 9:21:16
